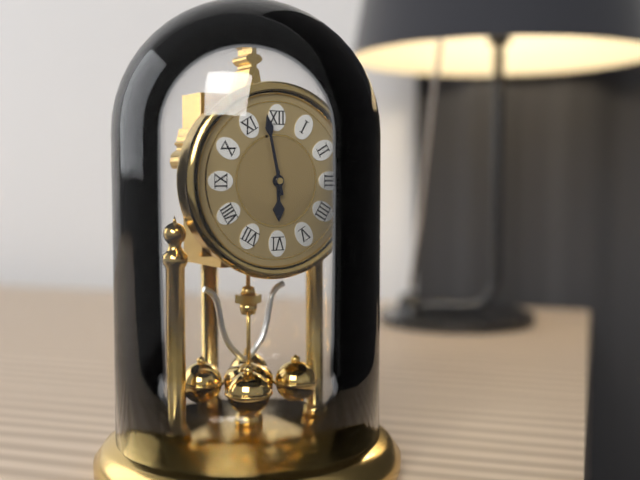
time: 5:58
